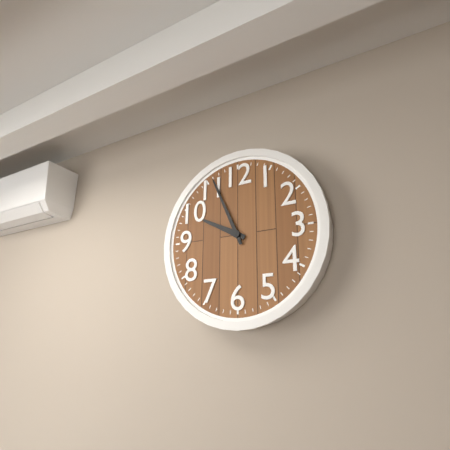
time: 9:56
